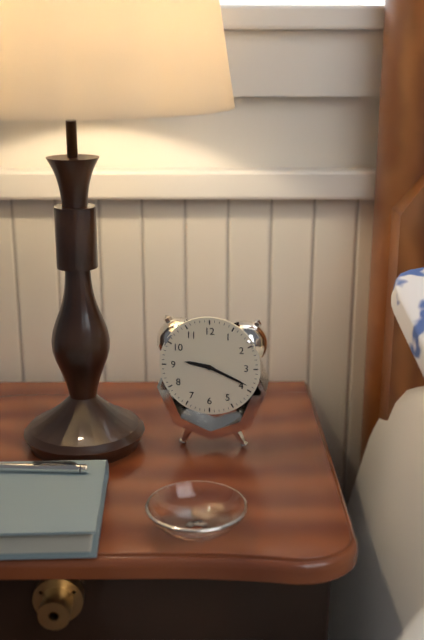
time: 9:19
